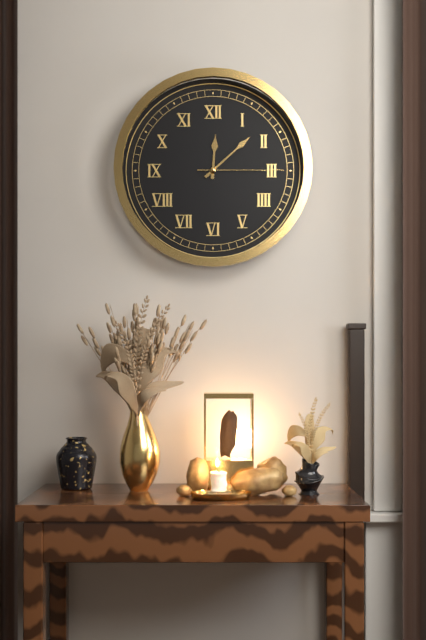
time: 12:08:15
